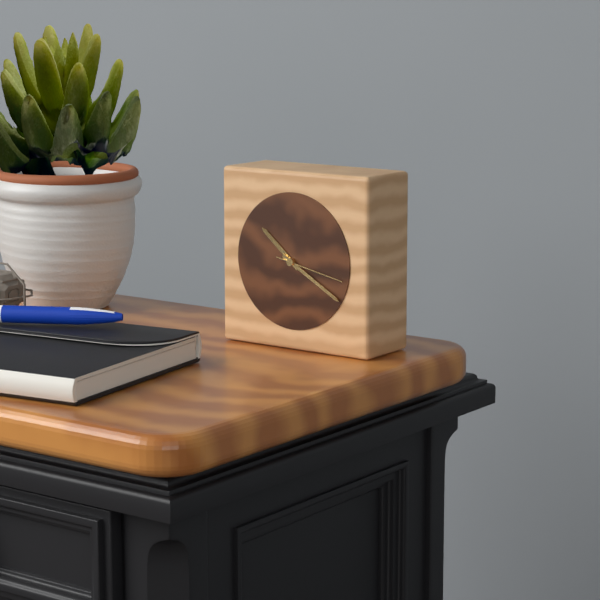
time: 10:20
